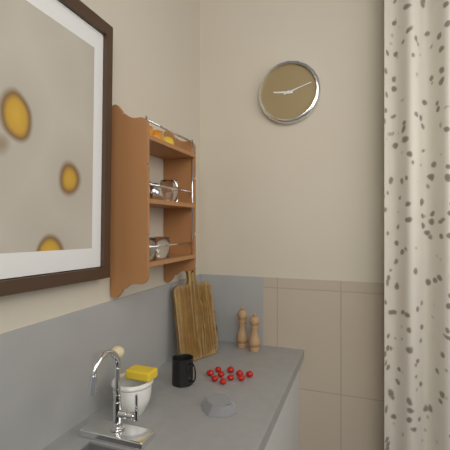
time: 9:12
